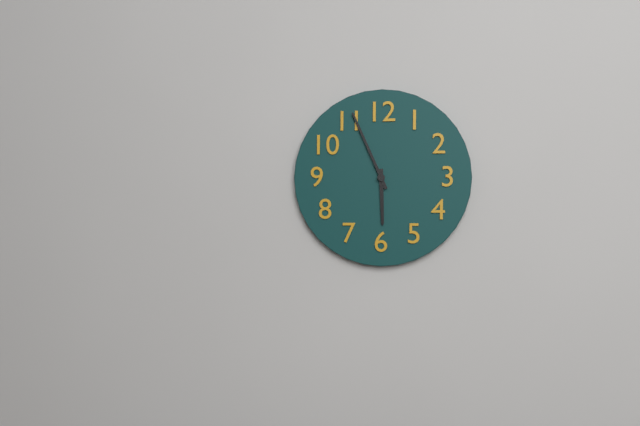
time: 5:56
